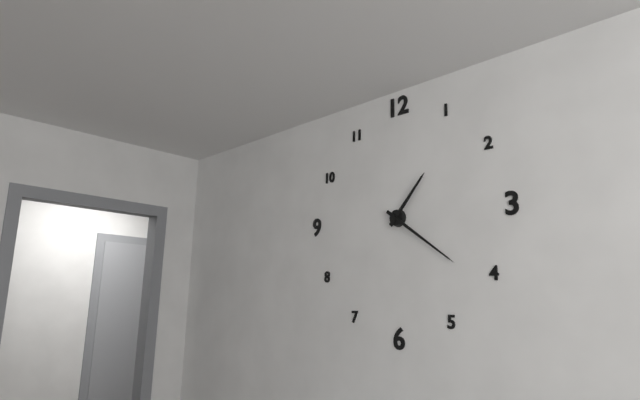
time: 1:21
